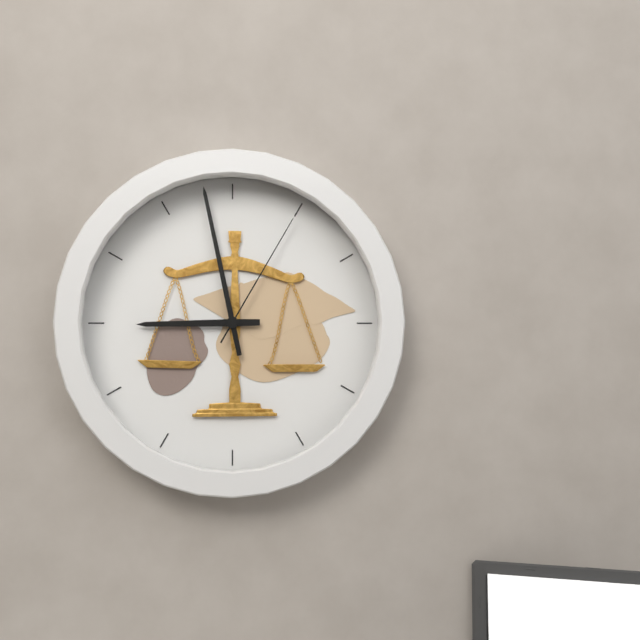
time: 8:58:05
